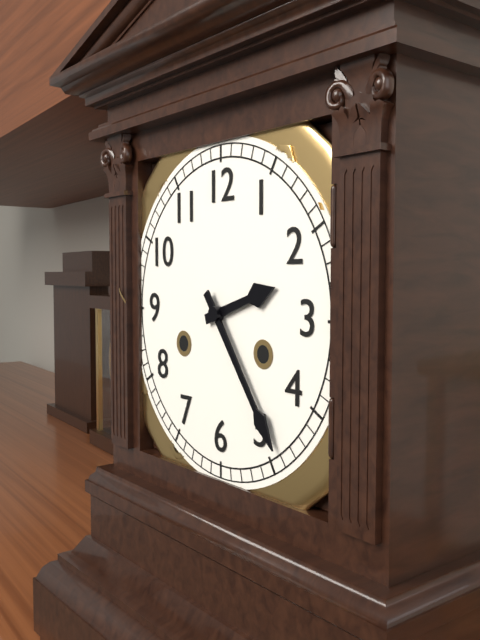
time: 2:24
